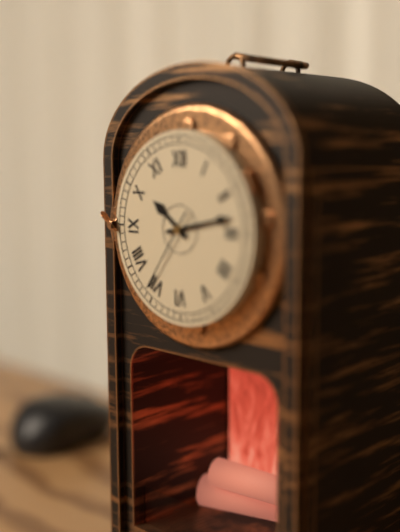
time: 10:13:36
